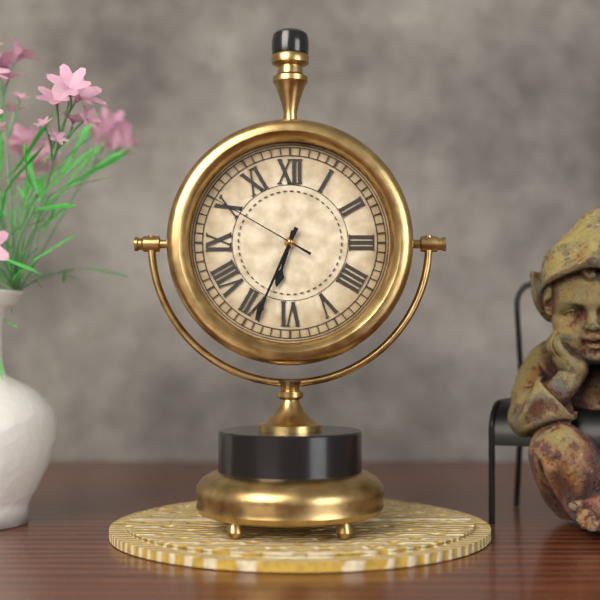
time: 6:34:50
